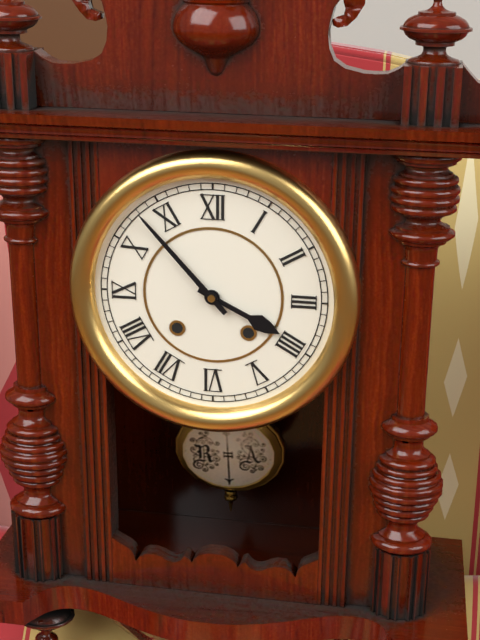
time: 3:53
